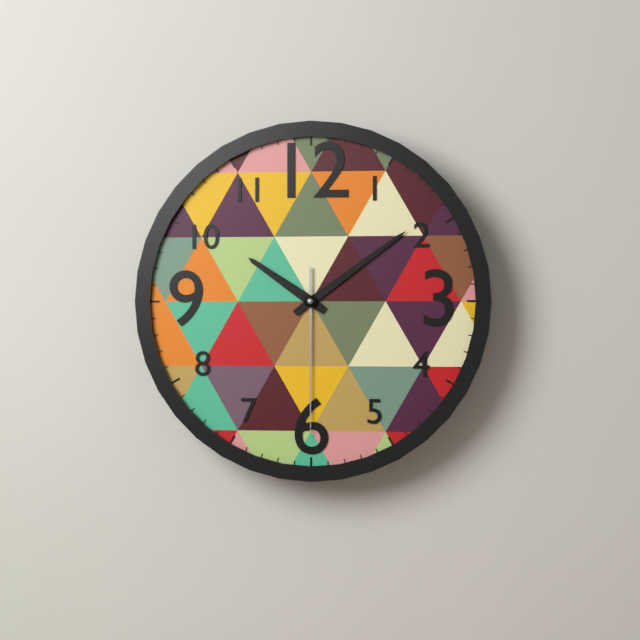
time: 10:09:30
